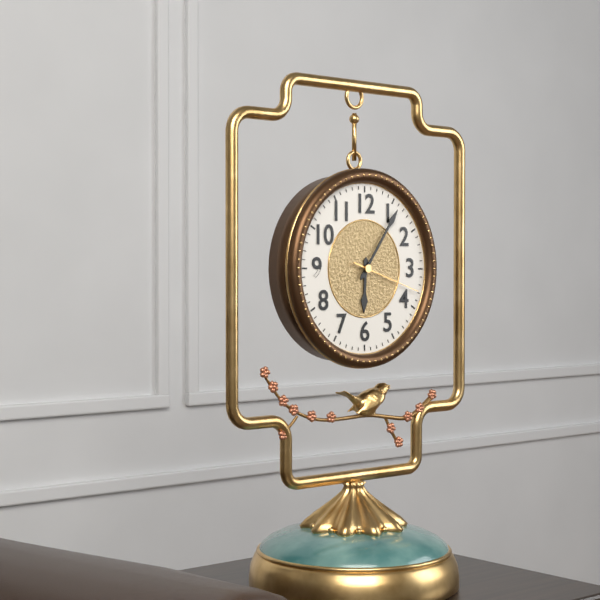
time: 6:06:18
